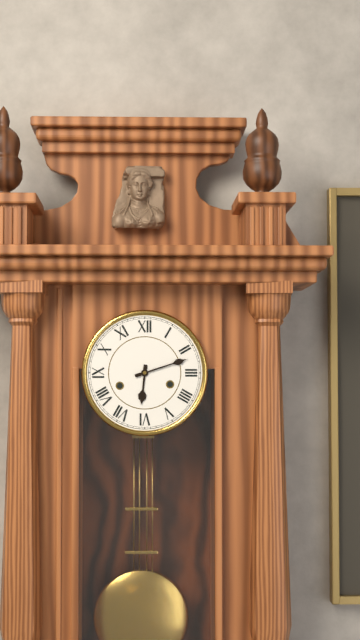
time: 6:12
